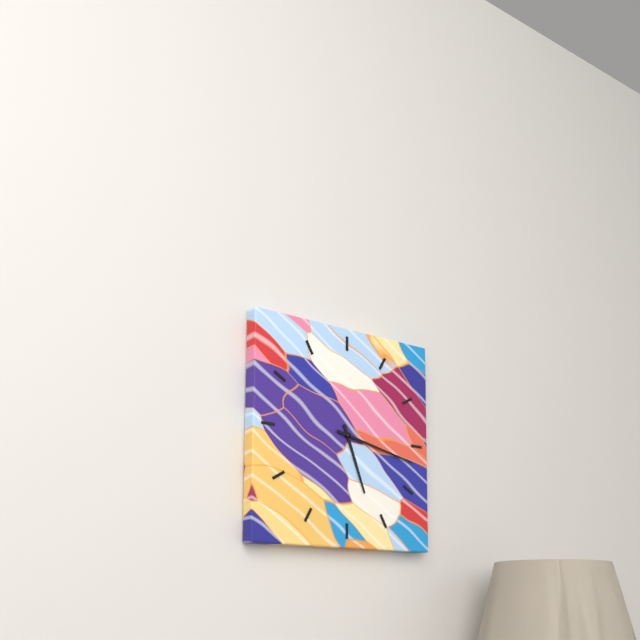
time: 5:17
